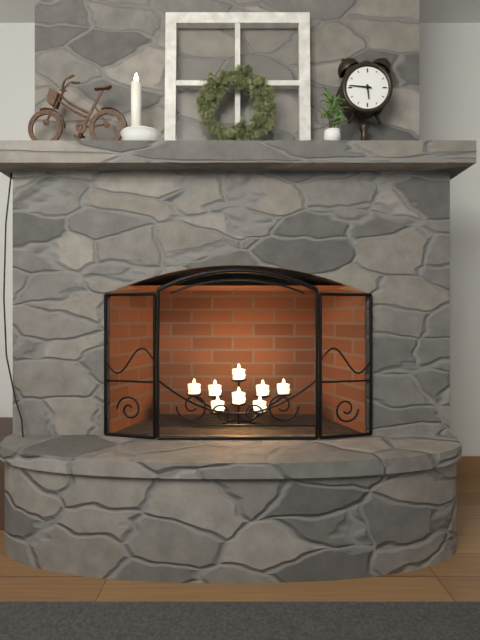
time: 5:46
